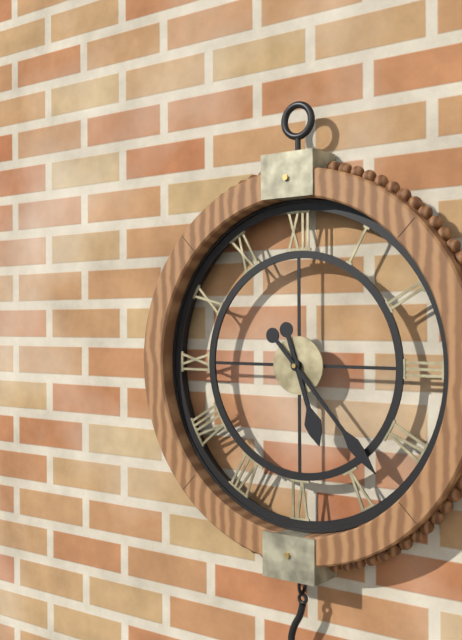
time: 5:23
